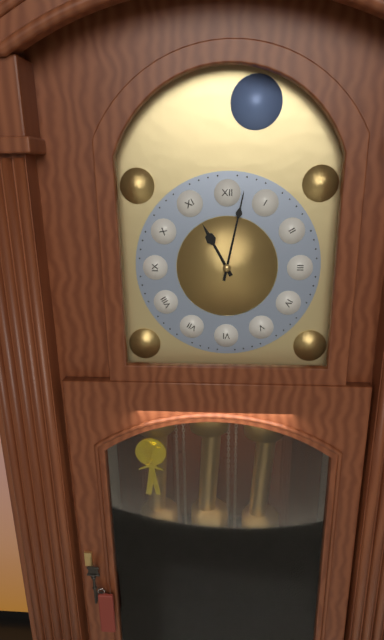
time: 11:02
